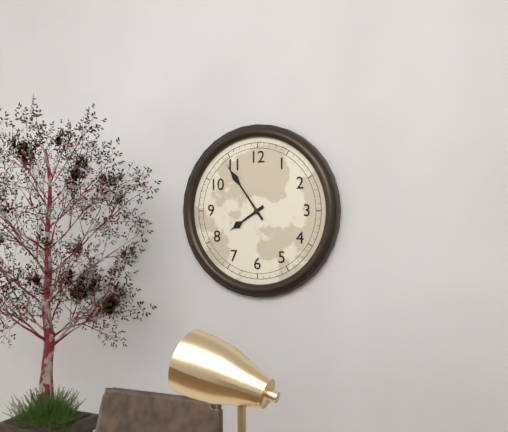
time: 7:54
